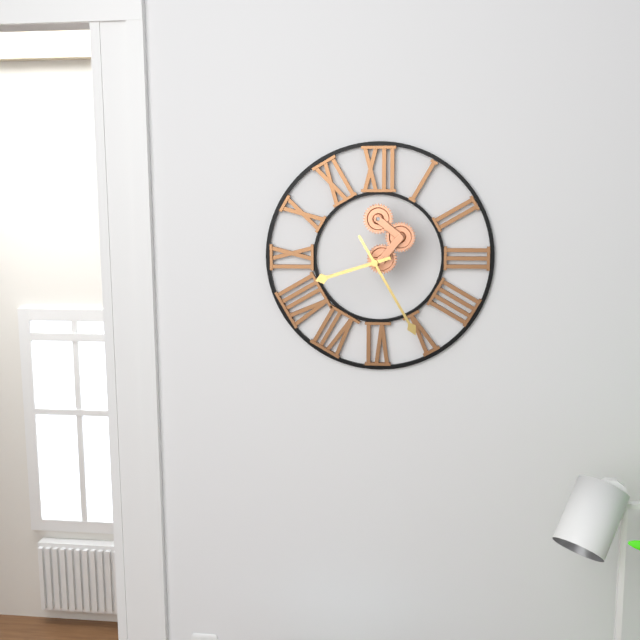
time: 8:25
